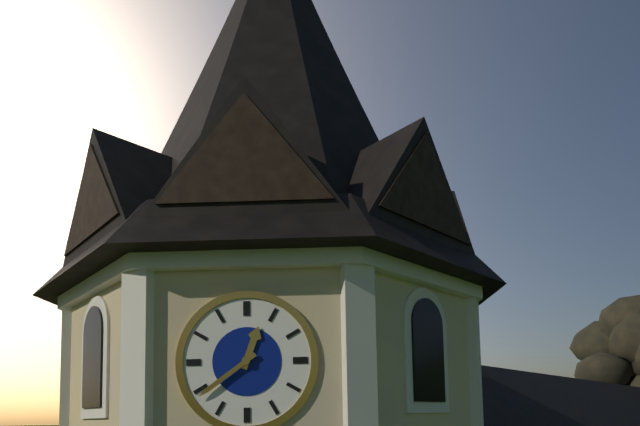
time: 12:39
